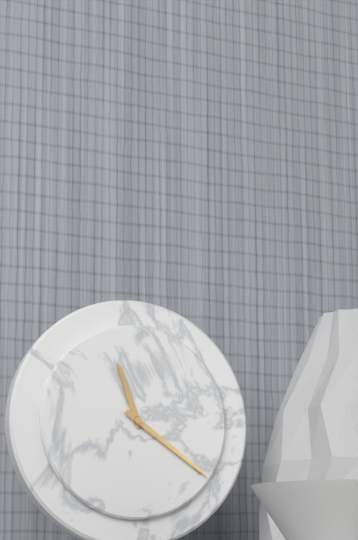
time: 11:21
